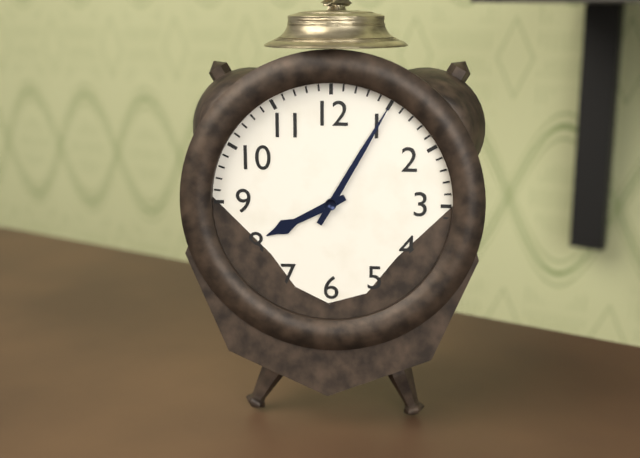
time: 8:05
